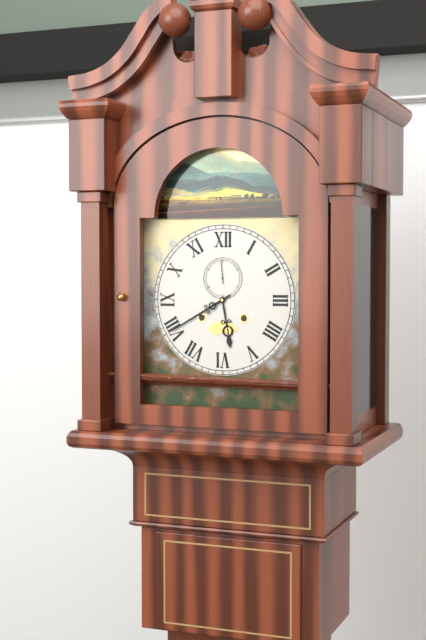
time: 5:40
